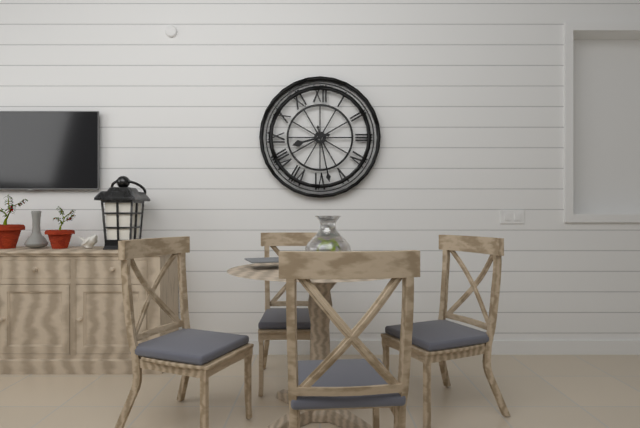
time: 8:28
